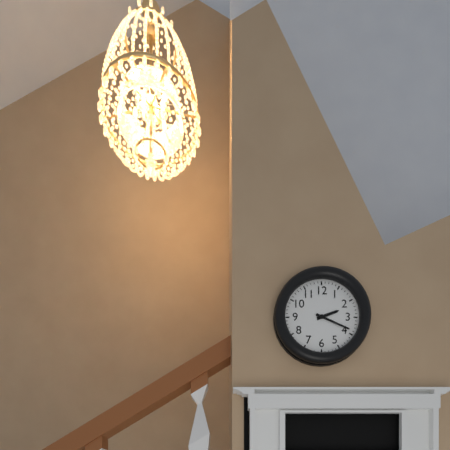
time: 2:19
